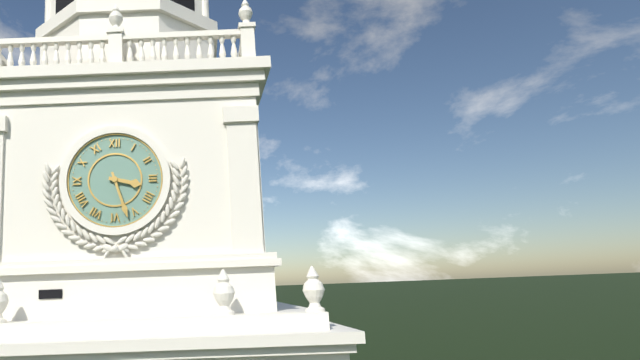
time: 3:27
